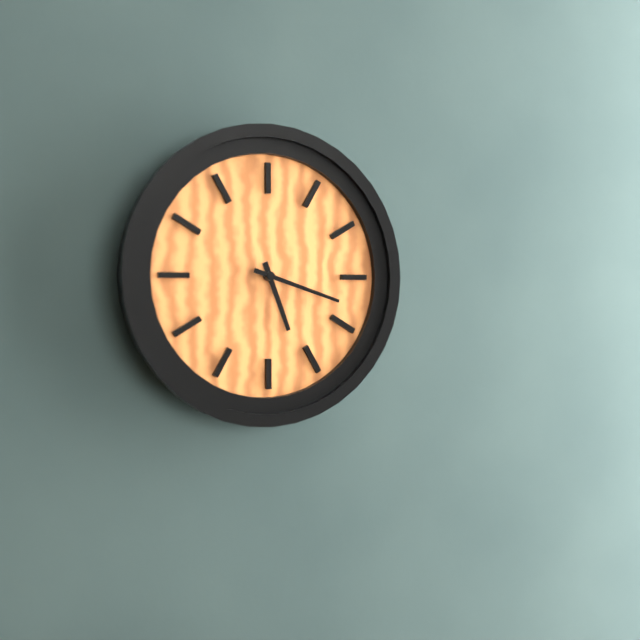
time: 5:18
